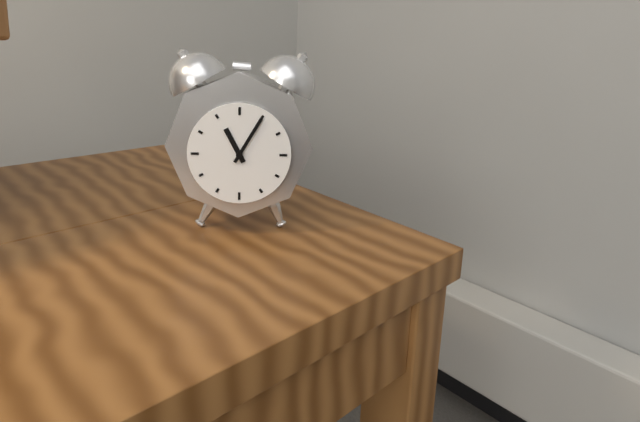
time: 11:05
